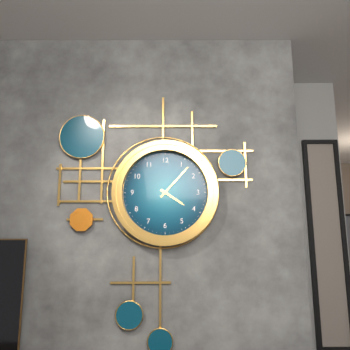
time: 4:07
